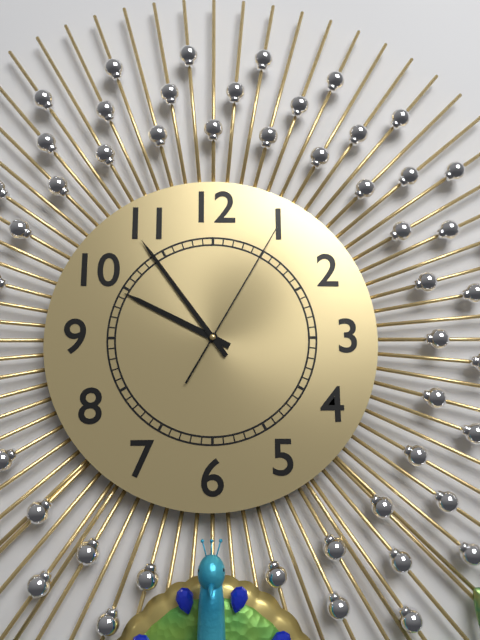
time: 9:54:05
